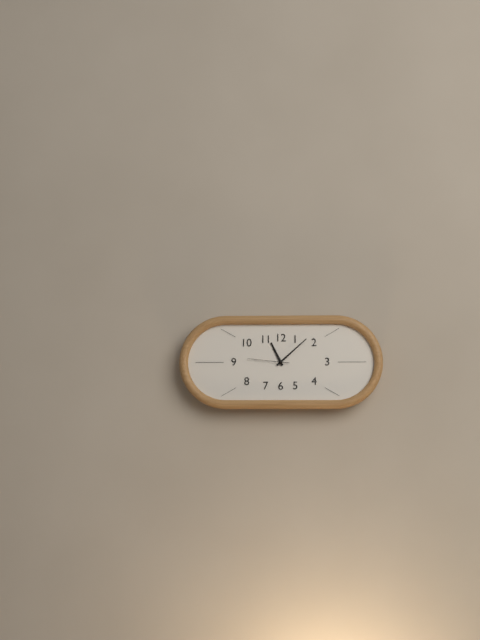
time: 11:08
